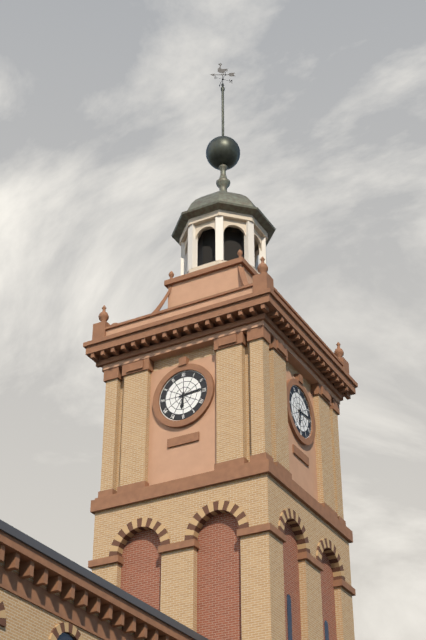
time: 6:14
